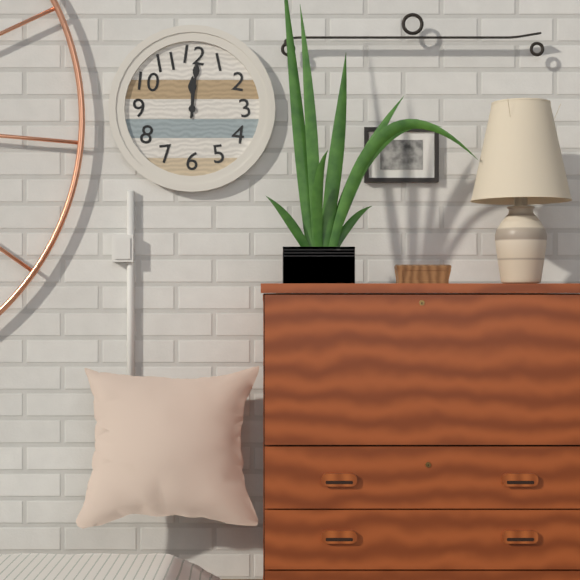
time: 12:01
